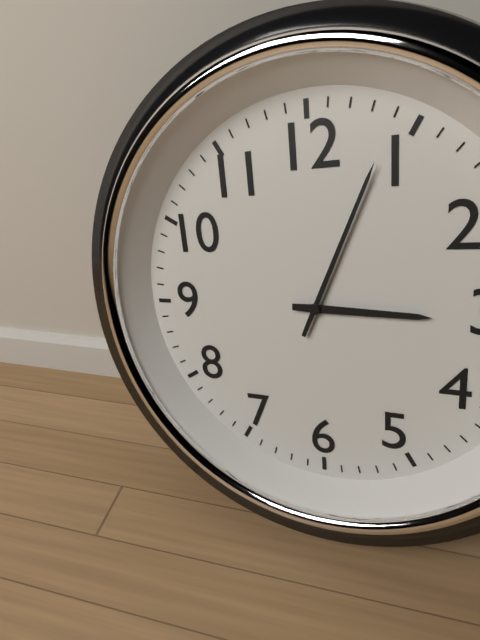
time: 3:04
